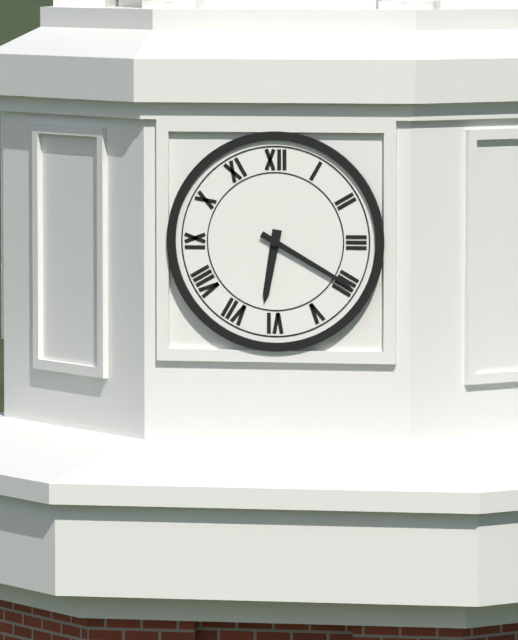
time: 6:20
